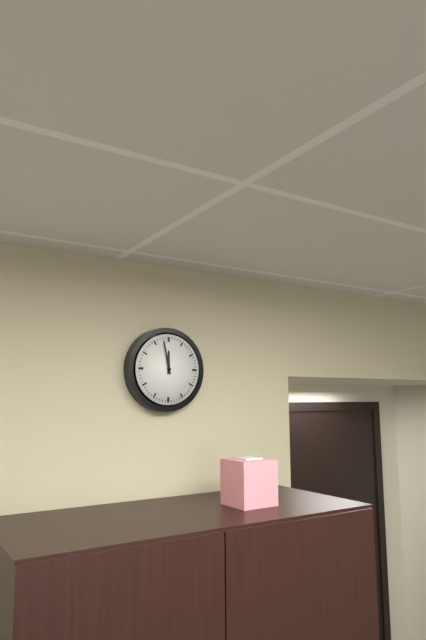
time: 11:58
